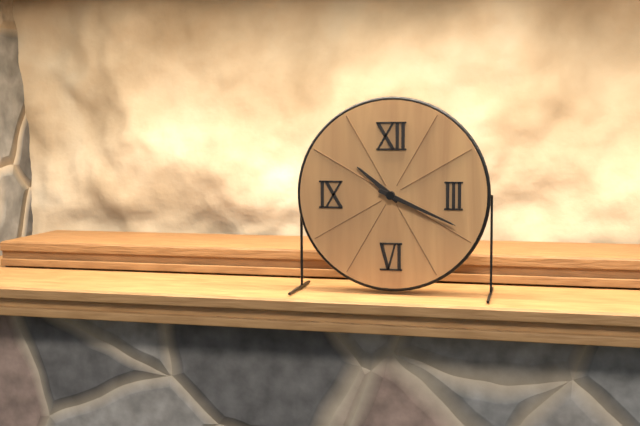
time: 10:19
